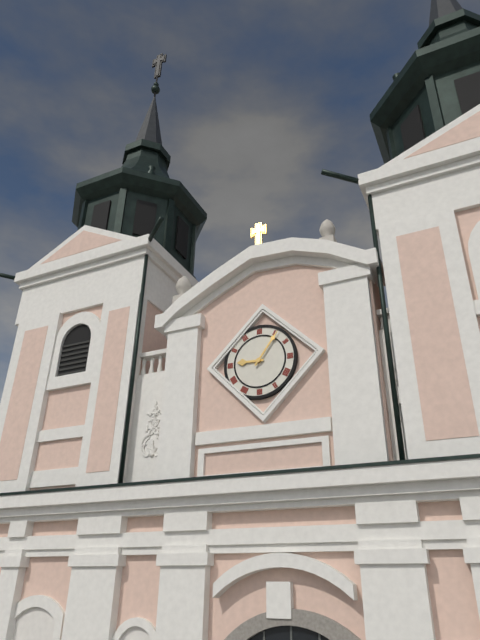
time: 9:06
